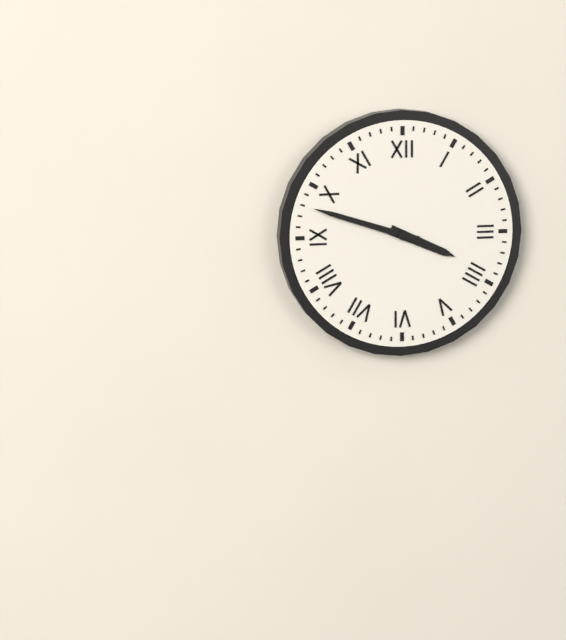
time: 3:48
